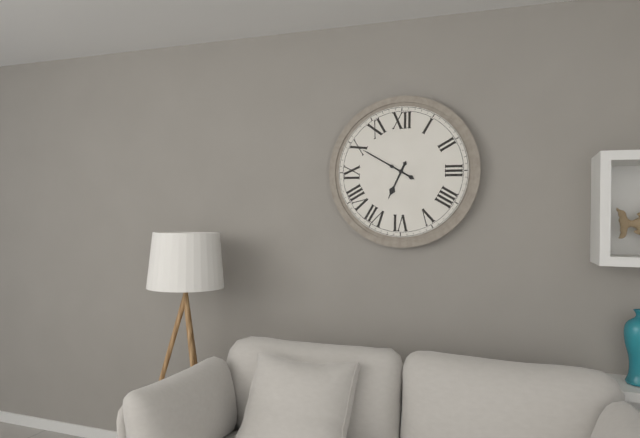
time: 6:50
